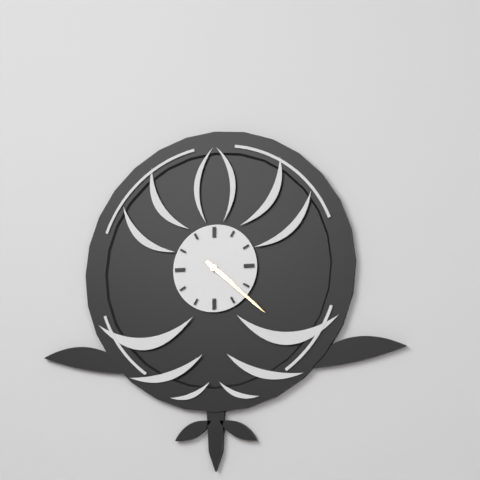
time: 4:22
